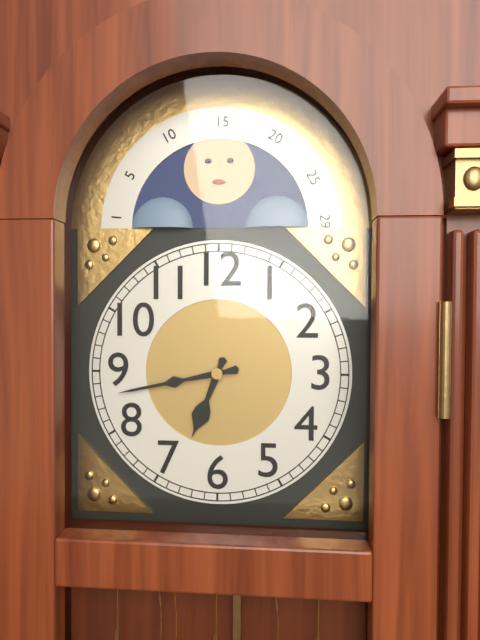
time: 6:43
